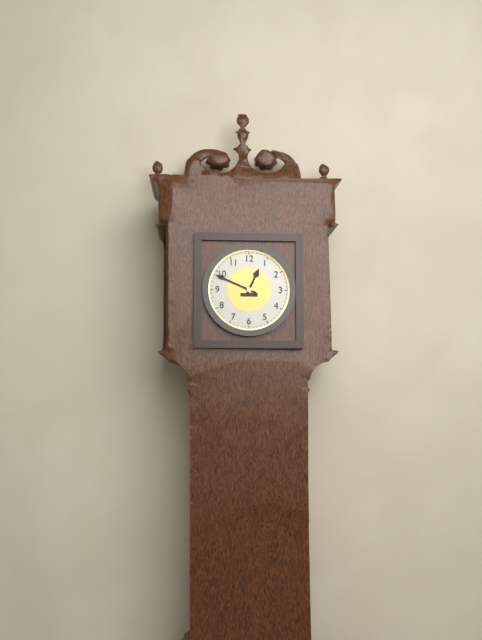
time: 12:49
